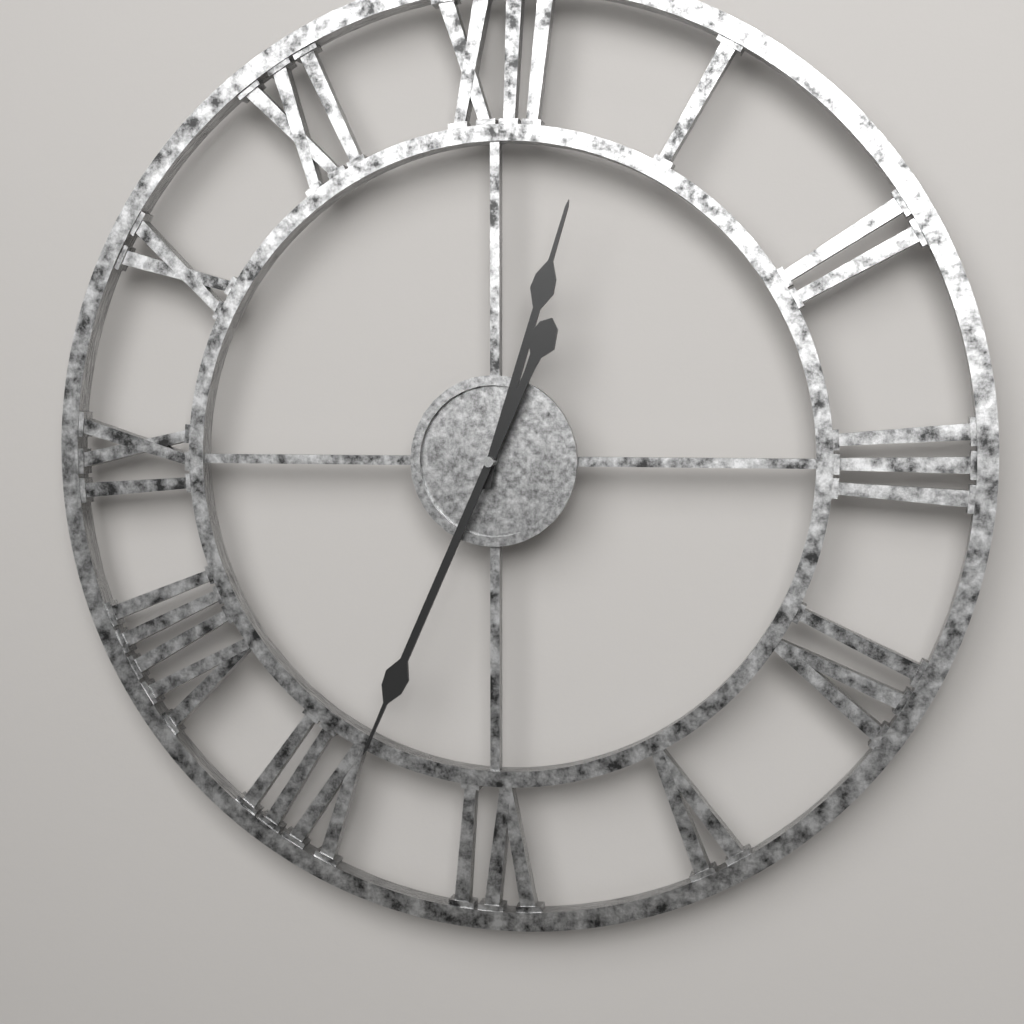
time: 12:34
